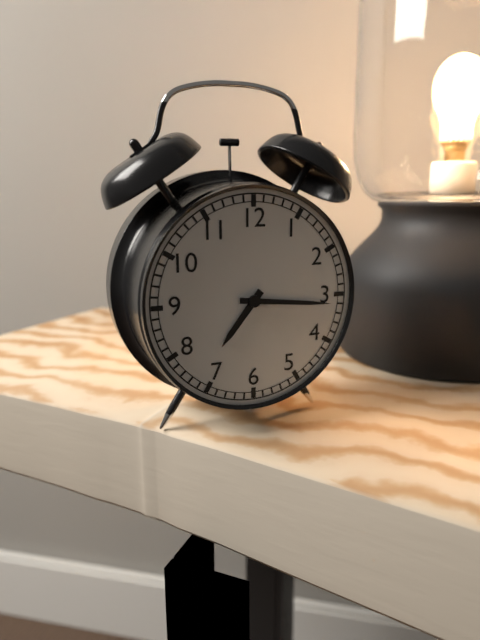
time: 7:16
